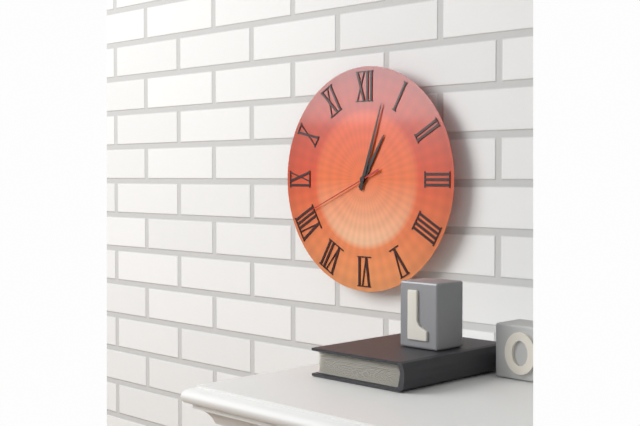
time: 1:03:41
